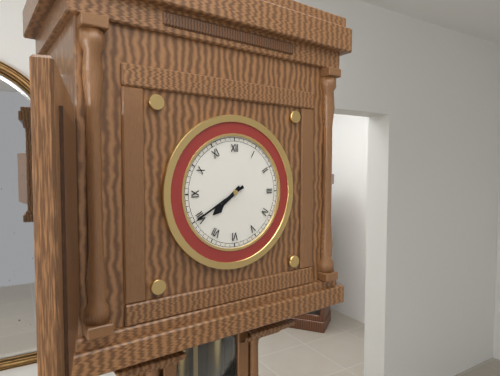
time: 7:40
